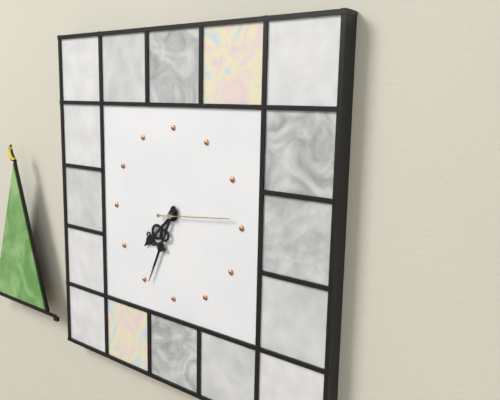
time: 7:34:14
